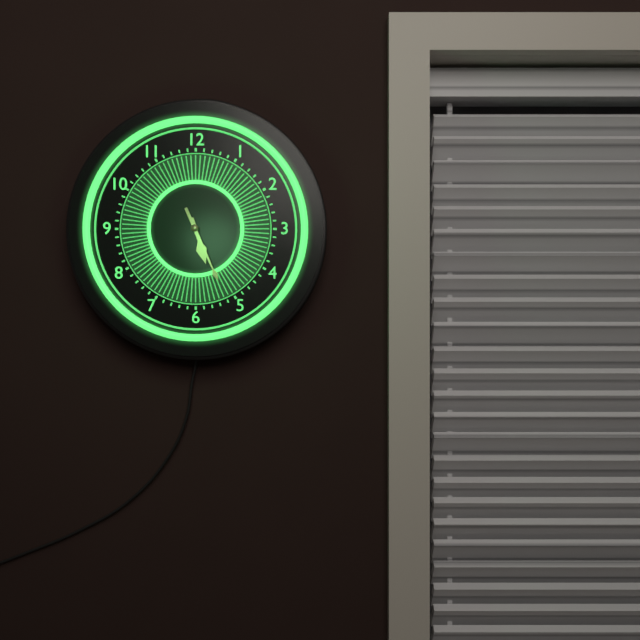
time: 5:26
